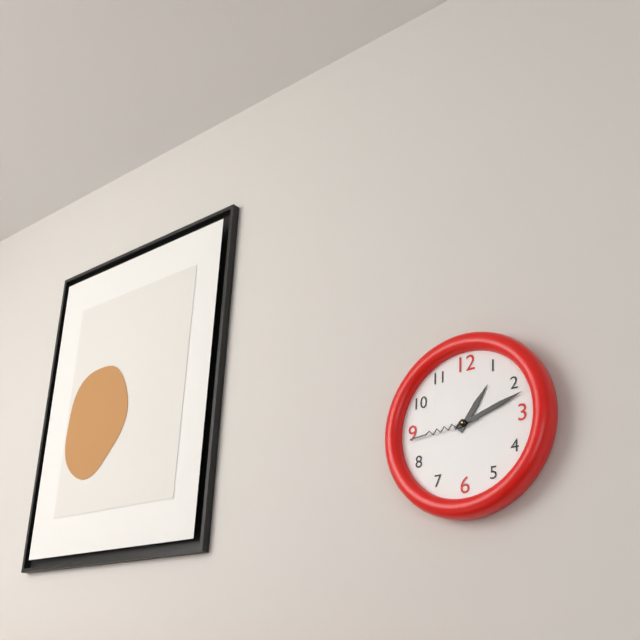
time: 1:12:44
